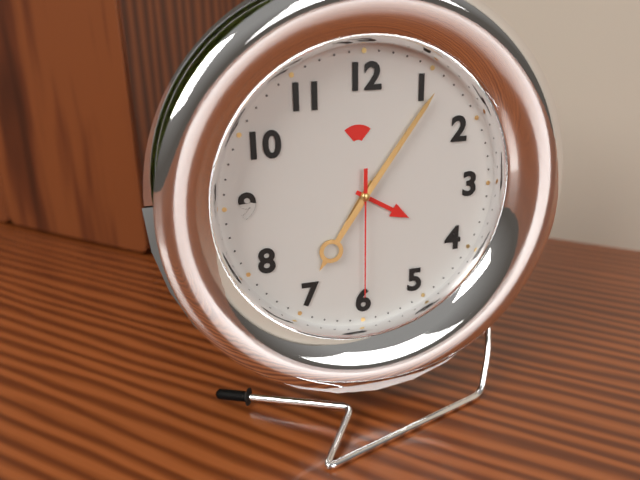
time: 7:06:30
